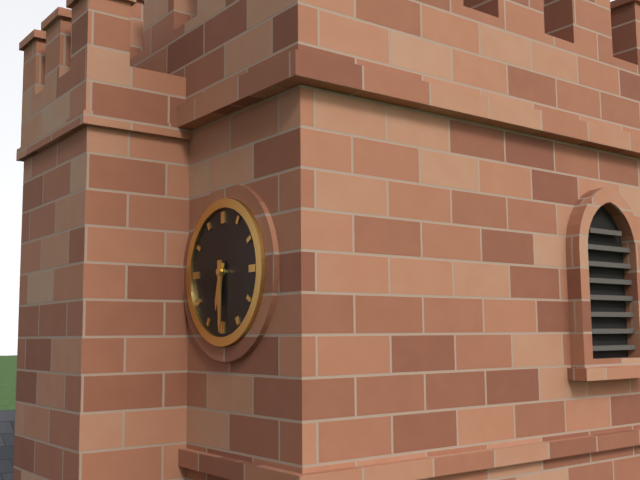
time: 6:30
